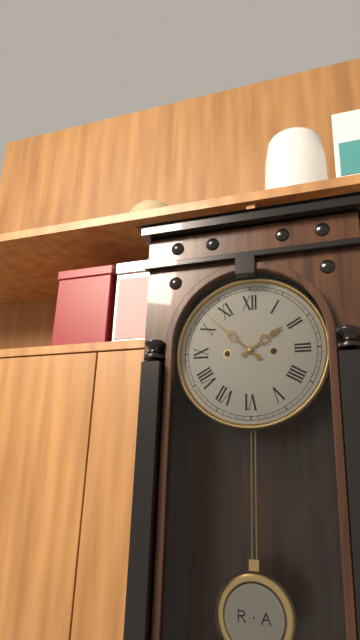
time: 1:52
